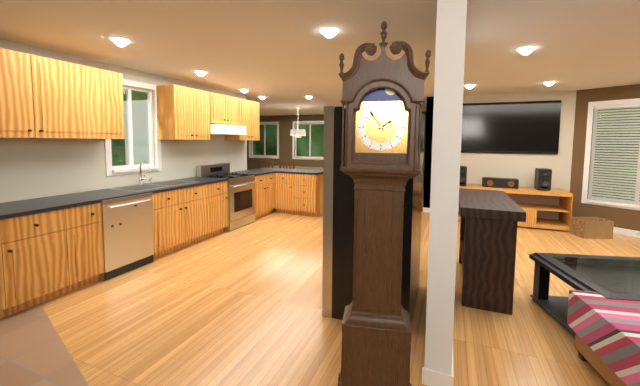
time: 1:54
